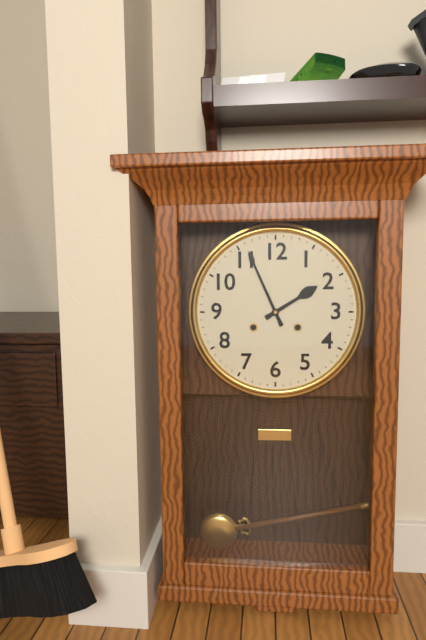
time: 1:56
